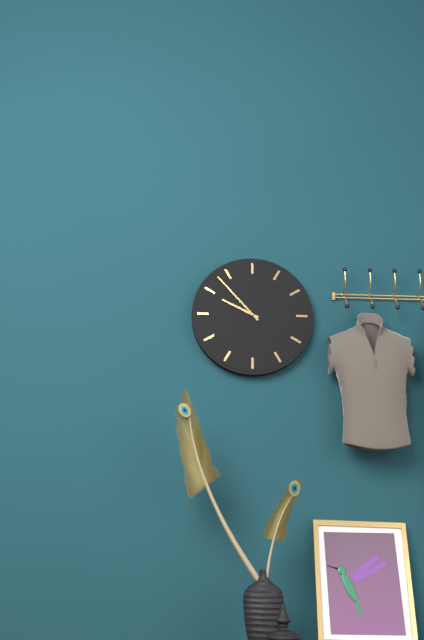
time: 9:53
